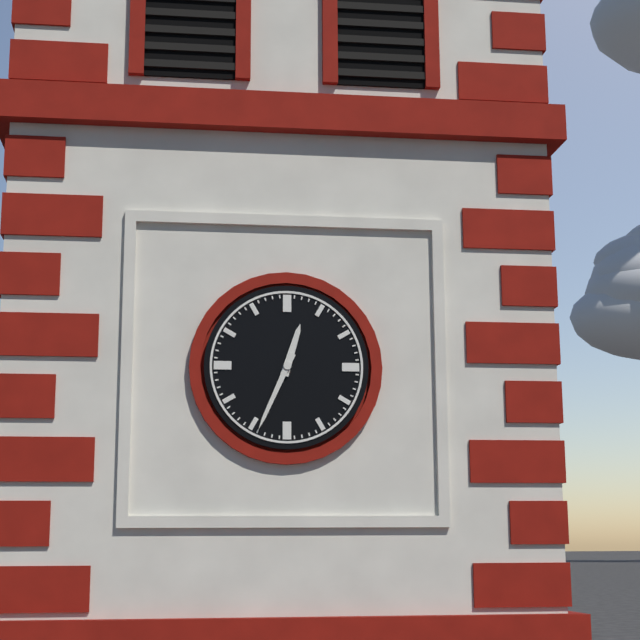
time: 12:34
